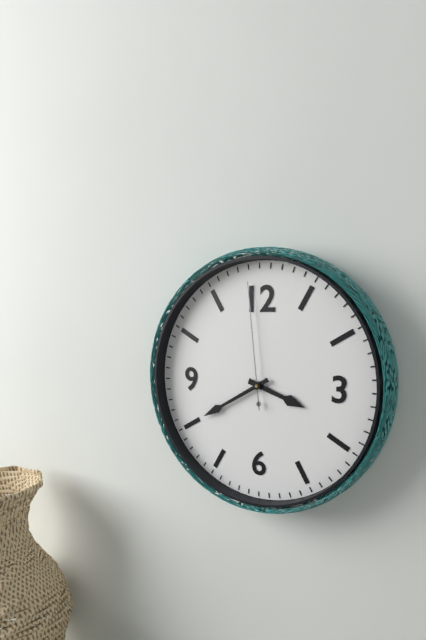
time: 3:40:59
